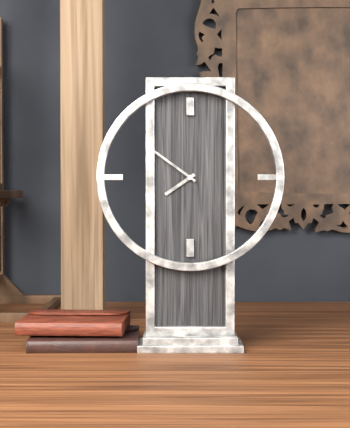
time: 7:51
